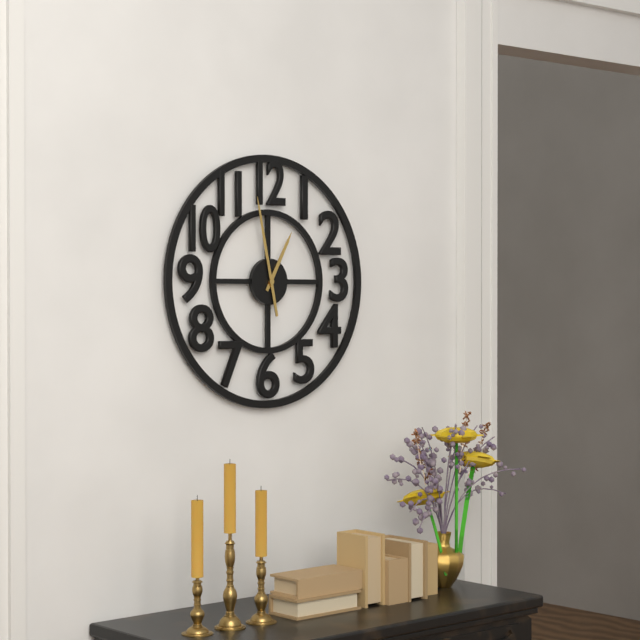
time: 12:58
